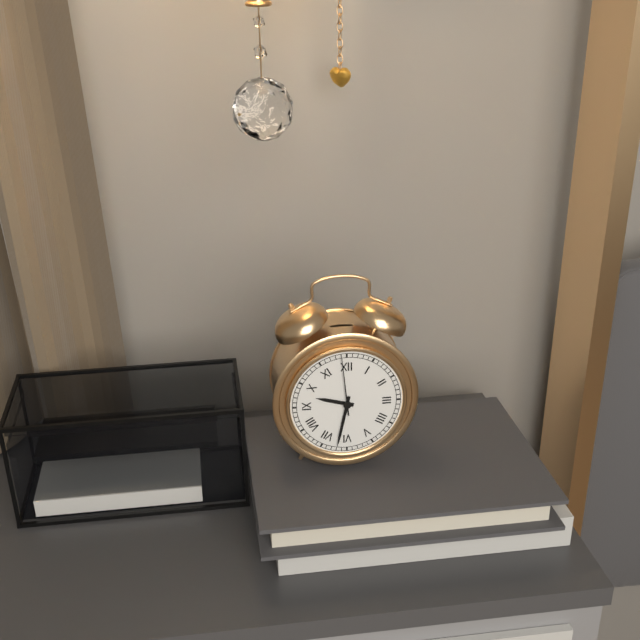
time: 9:32:59
